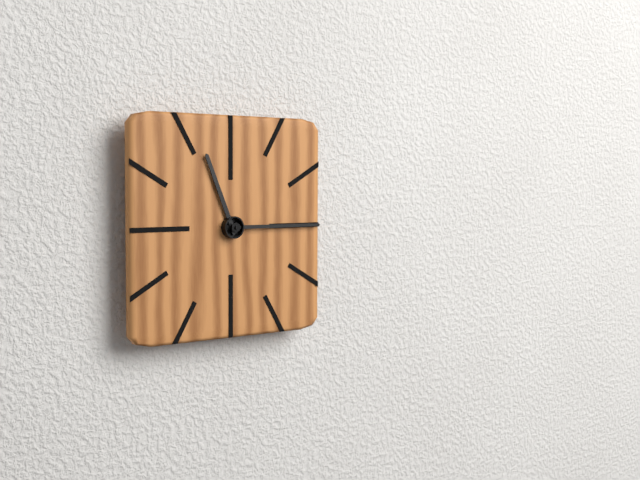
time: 11:15
